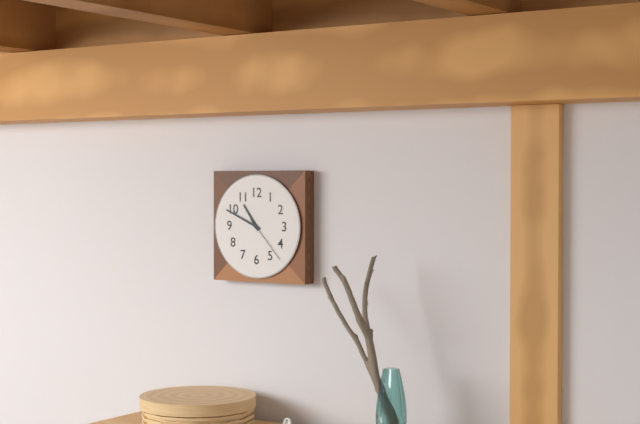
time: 10:49:23
